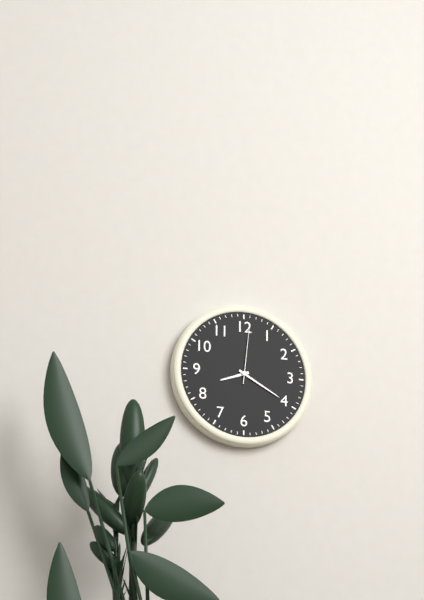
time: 8:20:01
